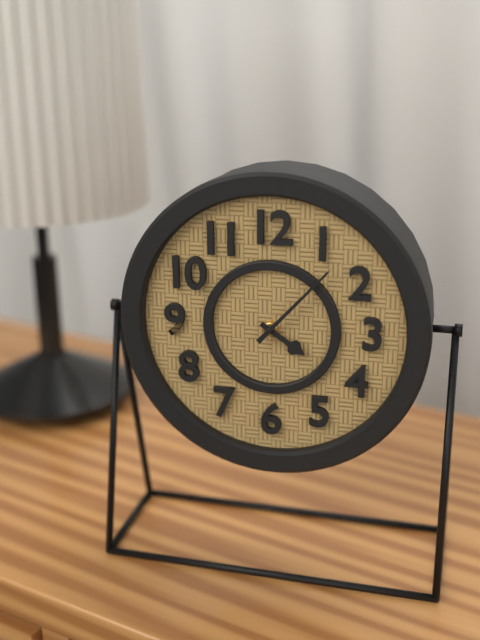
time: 4:07
